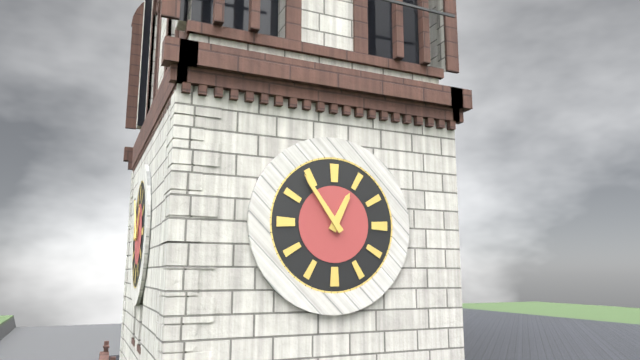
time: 12:54
